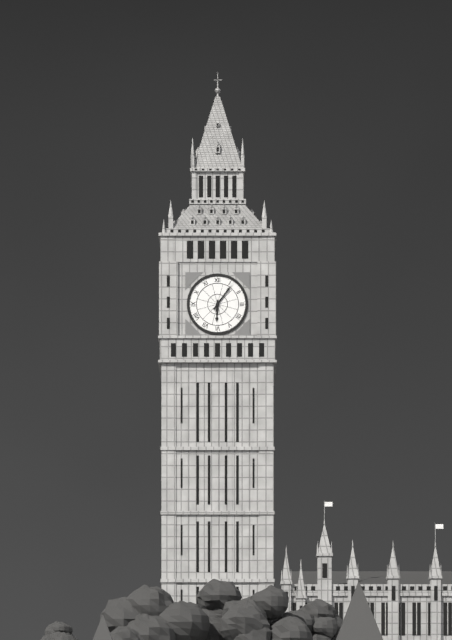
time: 6:06
